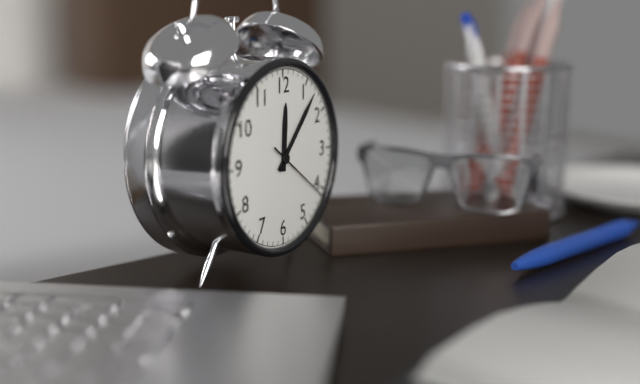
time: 12:07:21
